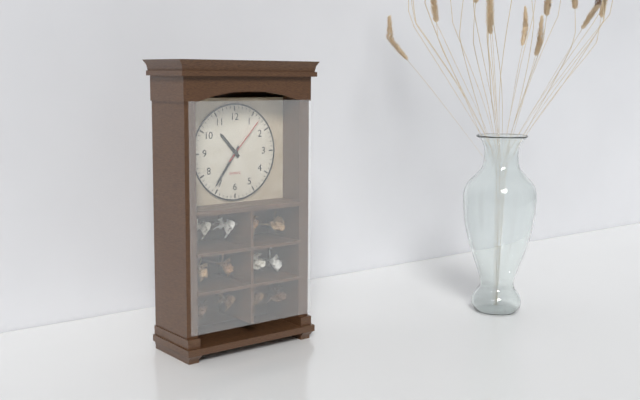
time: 10:36:07
